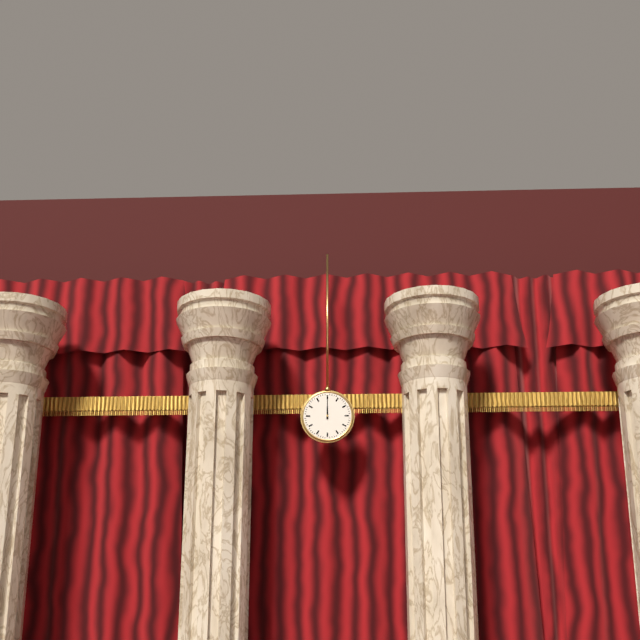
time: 12:00
